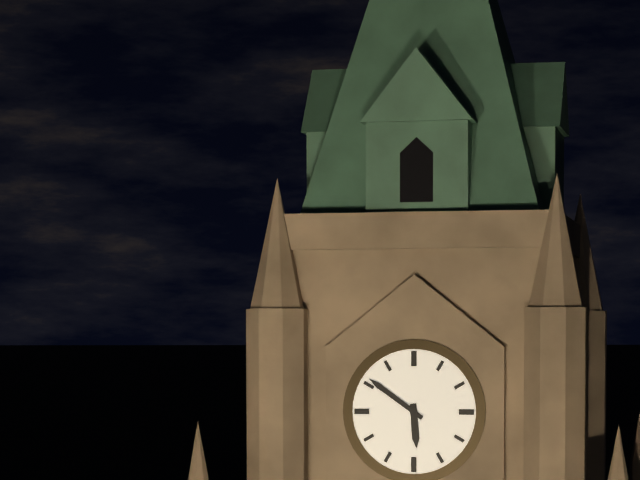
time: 5:51
